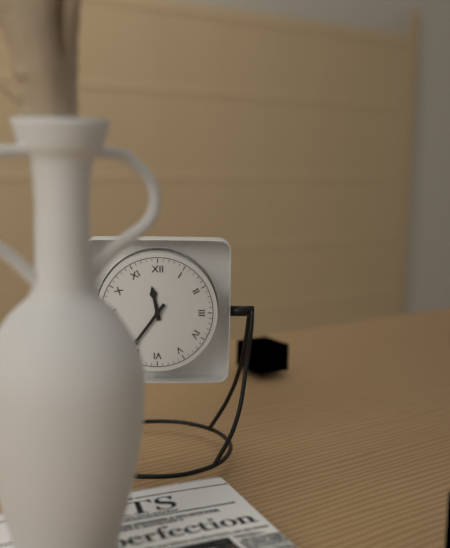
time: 11:36
